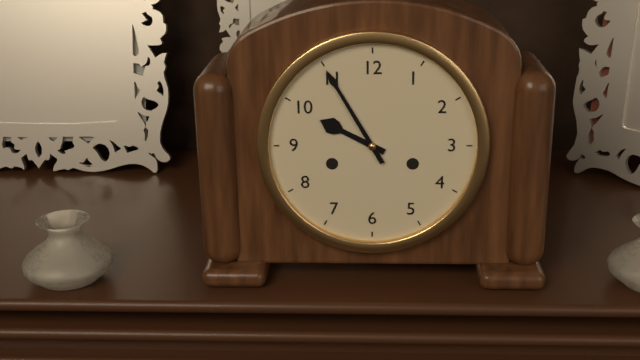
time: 9:55
